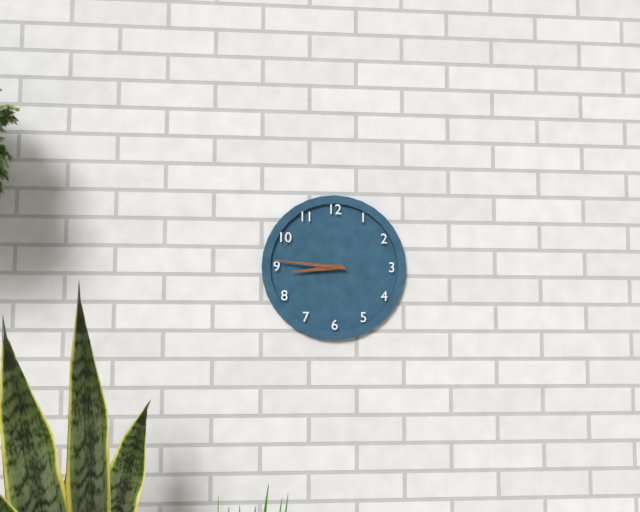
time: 8:46
